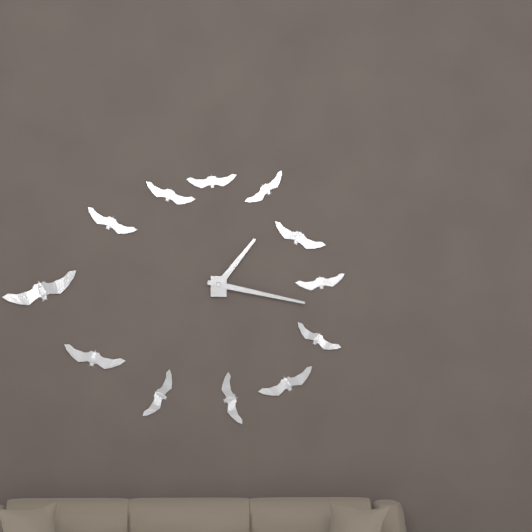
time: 1:17
